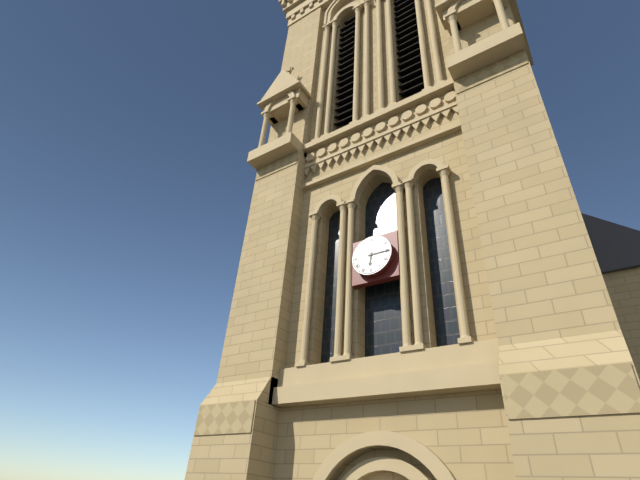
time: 6:15
